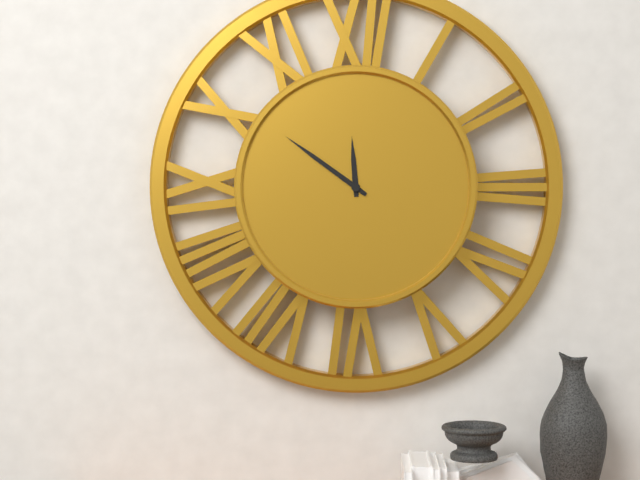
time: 11:51
